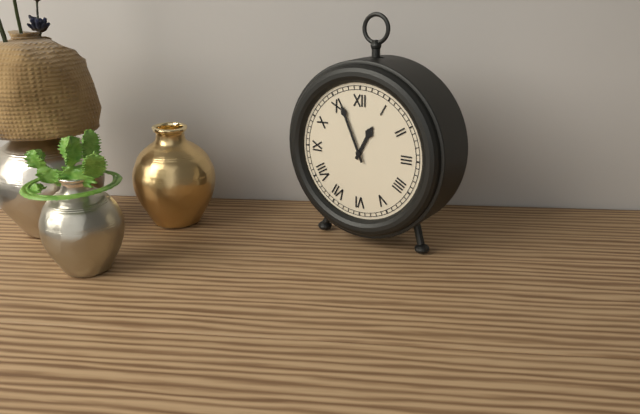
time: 12:56
